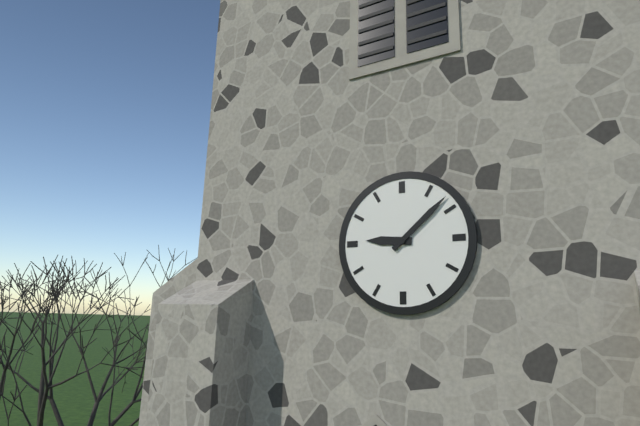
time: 9:08
